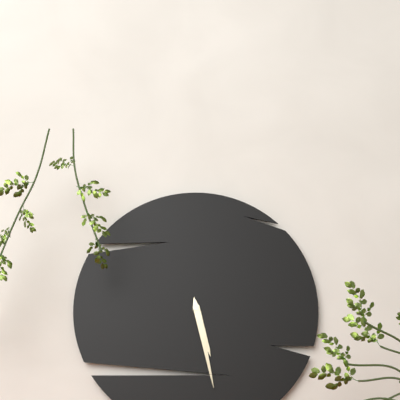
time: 5:28
